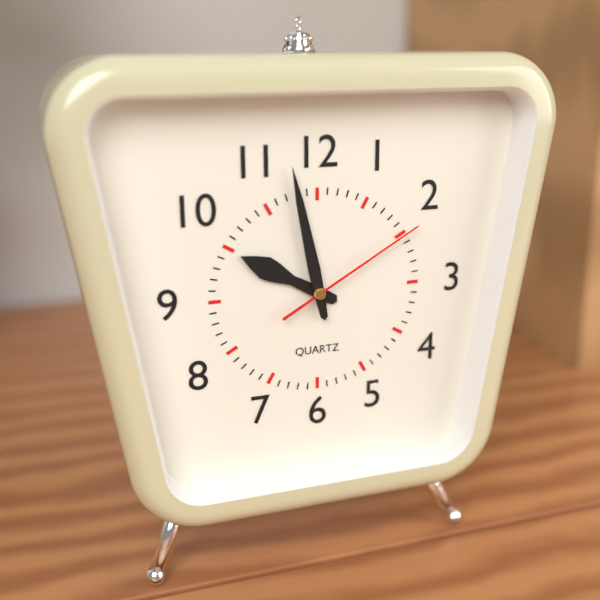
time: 9:58:10
